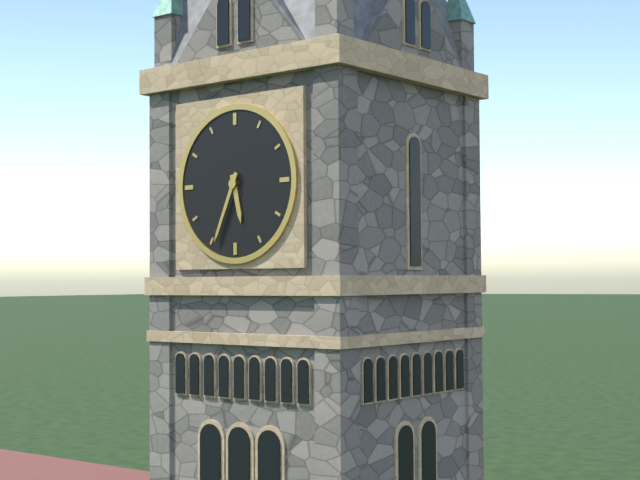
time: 5:34
